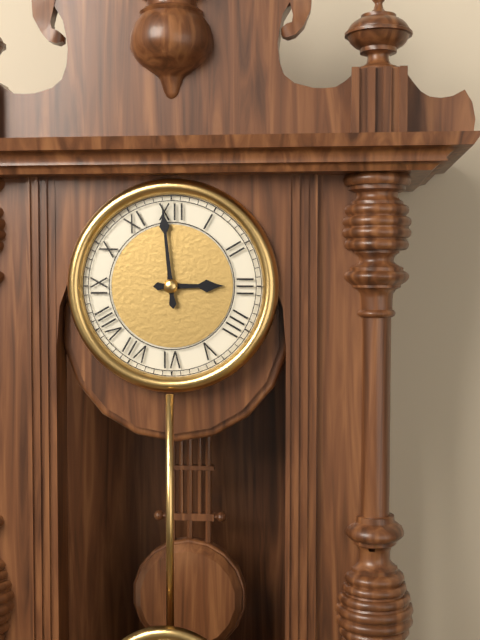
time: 2:59
